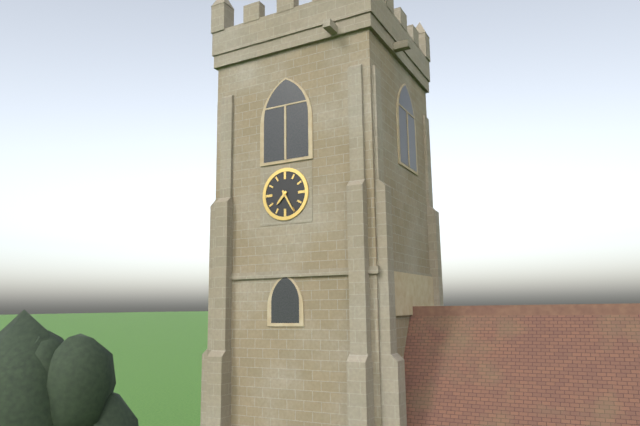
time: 7:25
